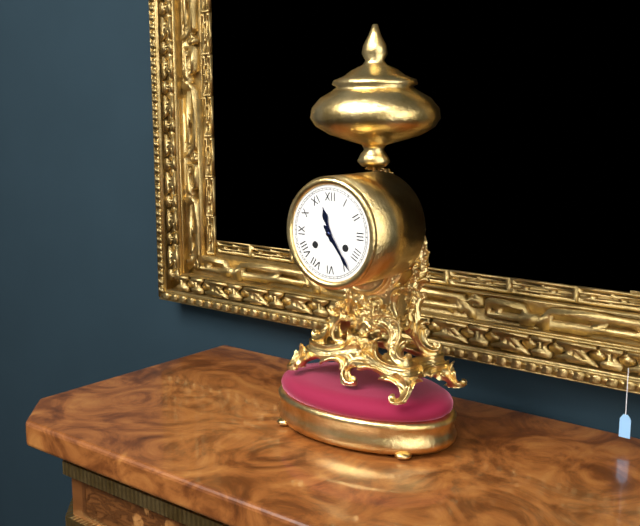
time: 11:24
